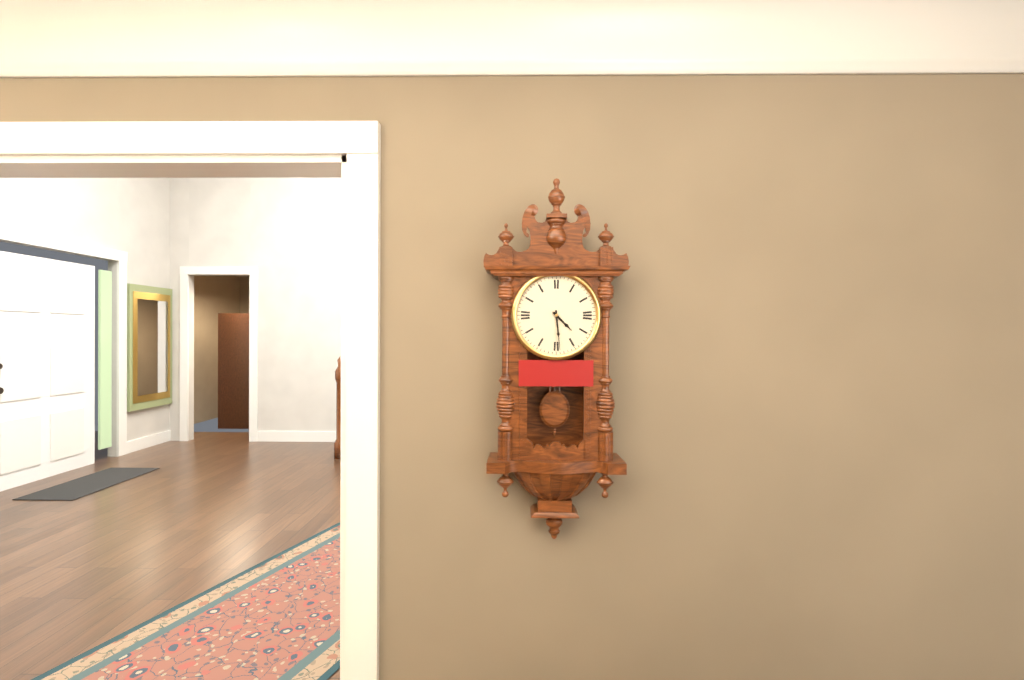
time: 4:29
